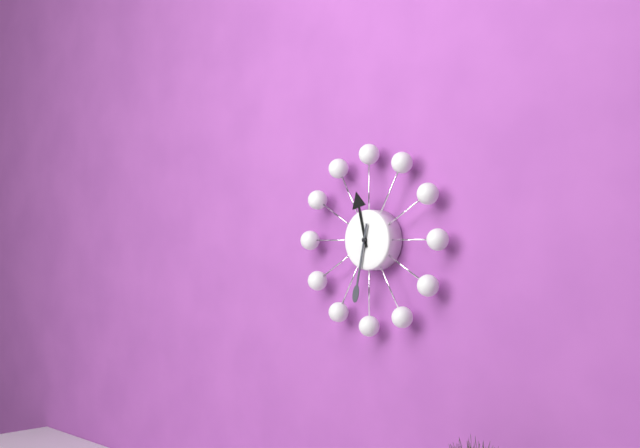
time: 11:32
